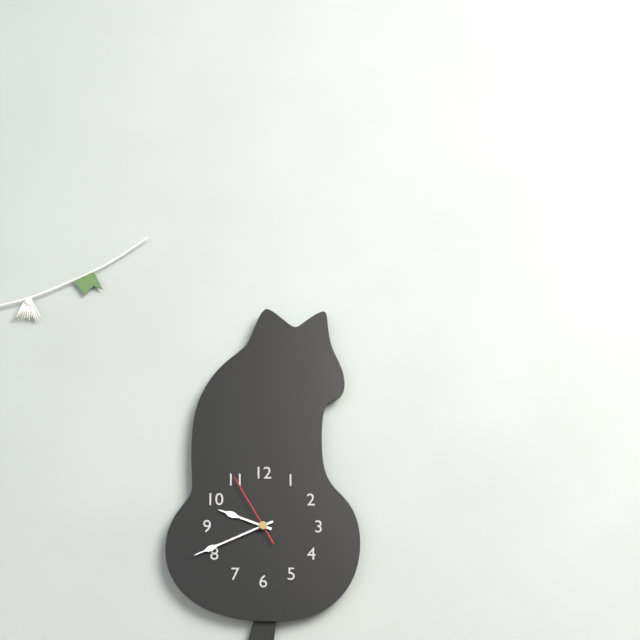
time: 9:41:55
